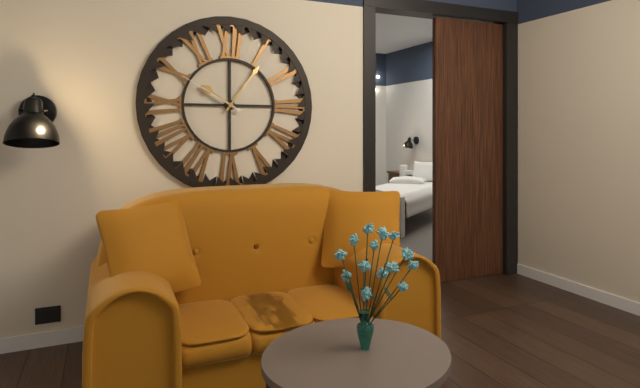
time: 10:06:50
